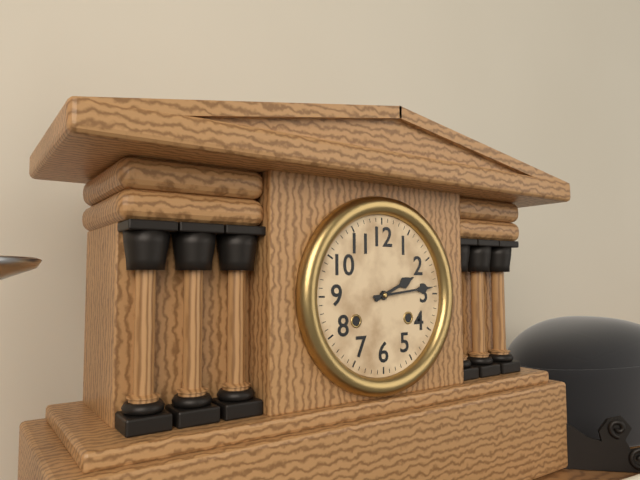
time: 2:14
